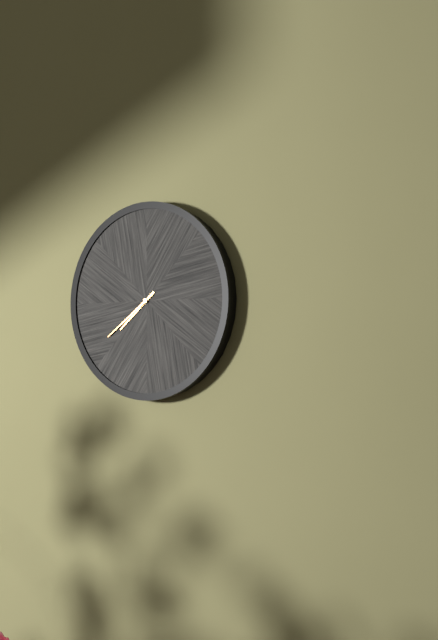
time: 7:39
